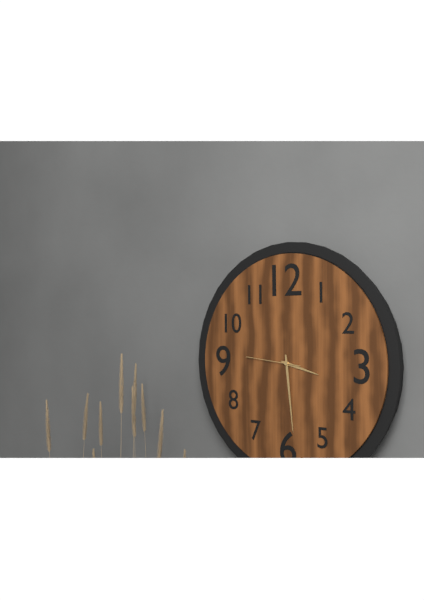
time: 3:29:46
